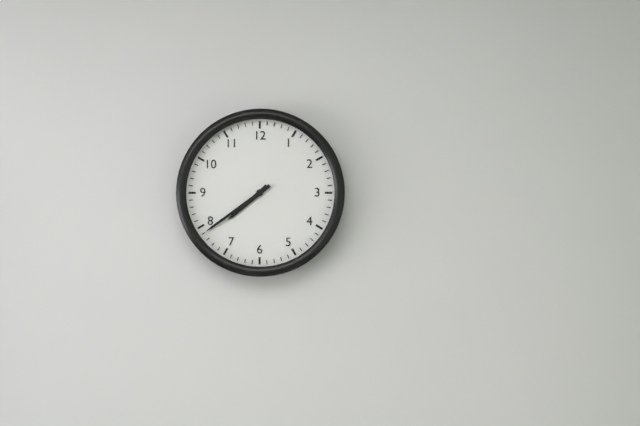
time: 7:39
